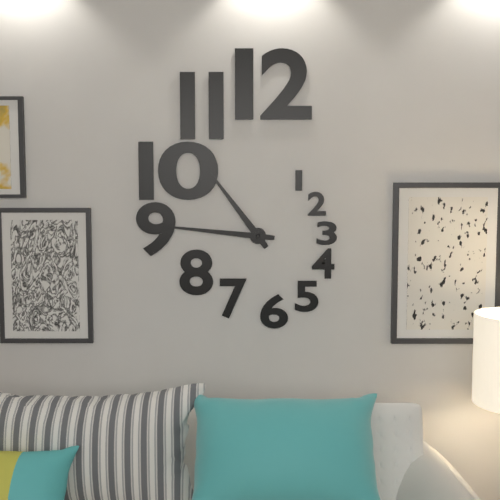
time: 10:46
